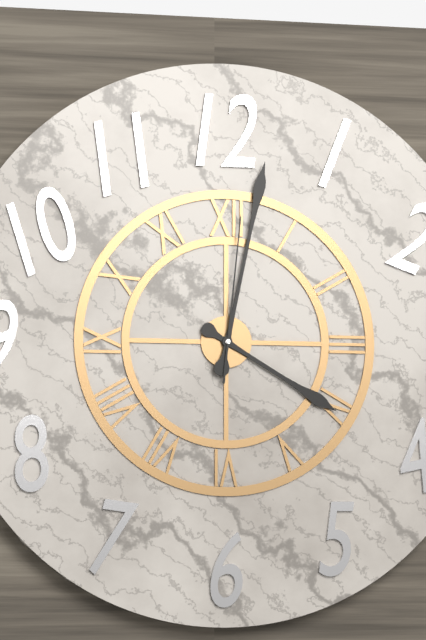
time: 4:02:01
